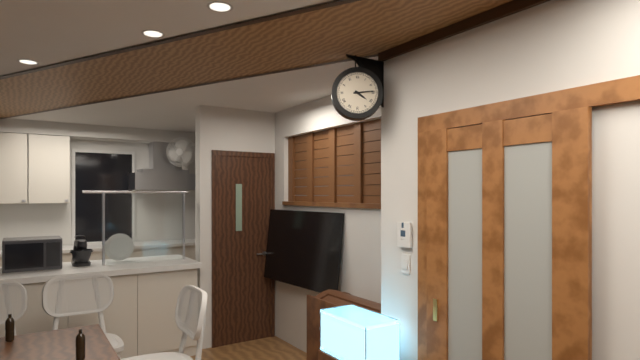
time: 4:14
